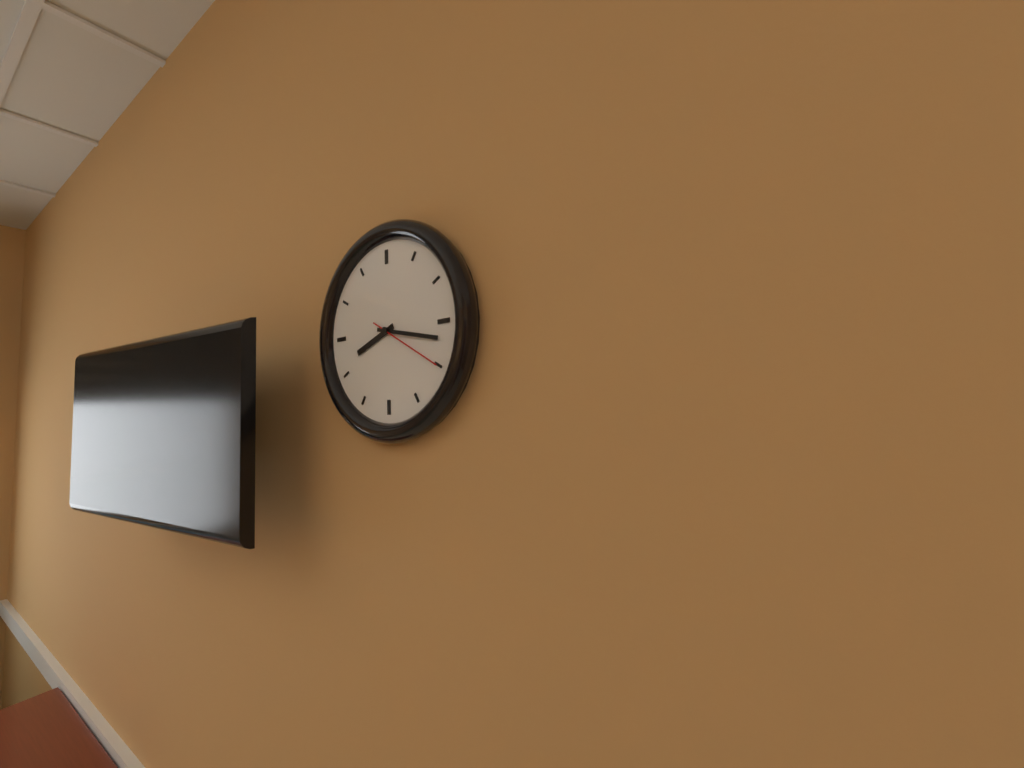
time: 8:17:20
